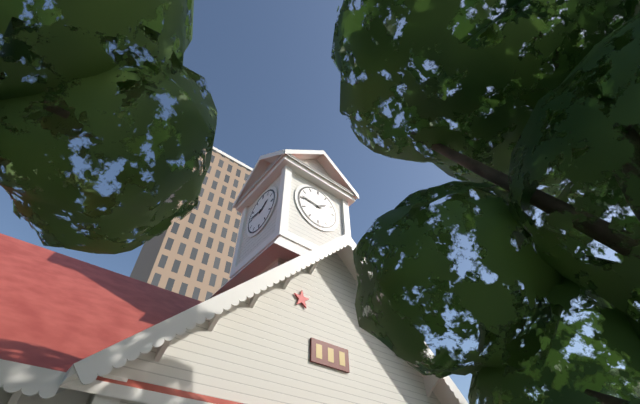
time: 1:46
